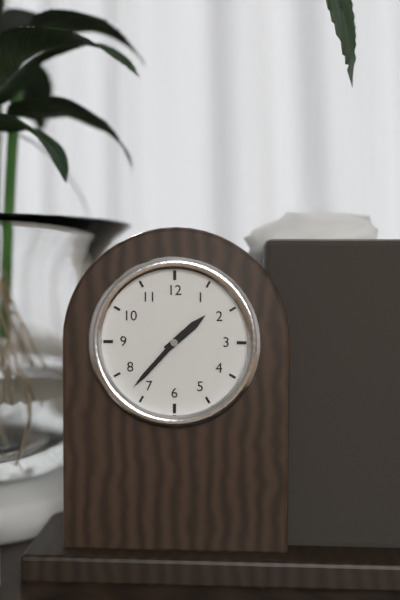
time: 1:37
